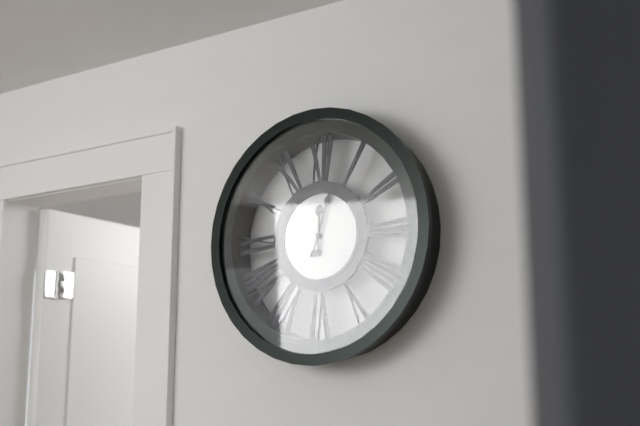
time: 12:03
